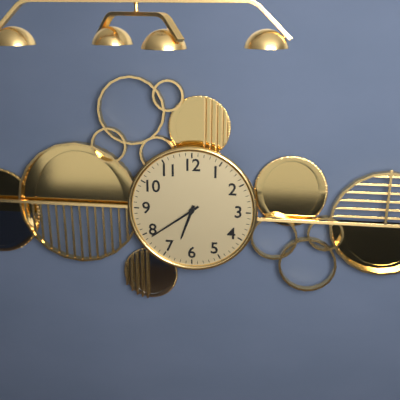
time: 6:39
